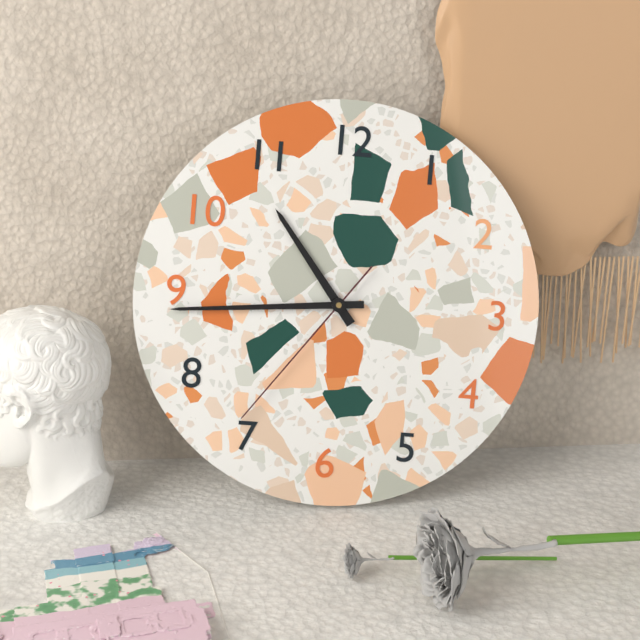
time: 10:44:36
